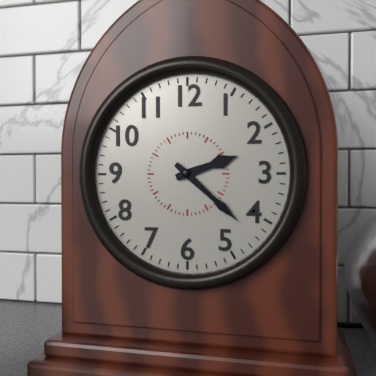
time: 2:22
